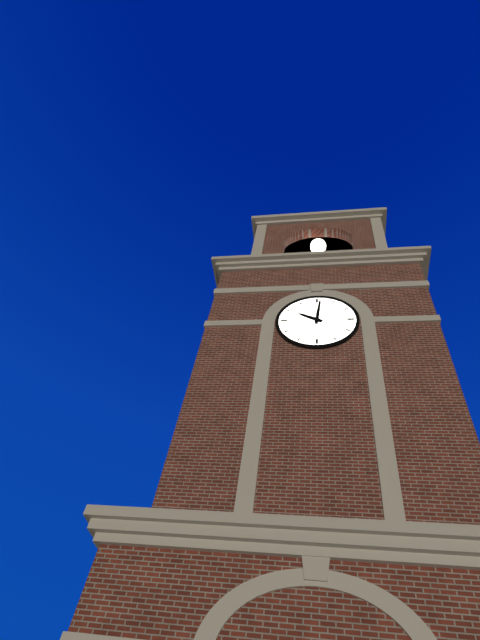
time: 10:01
